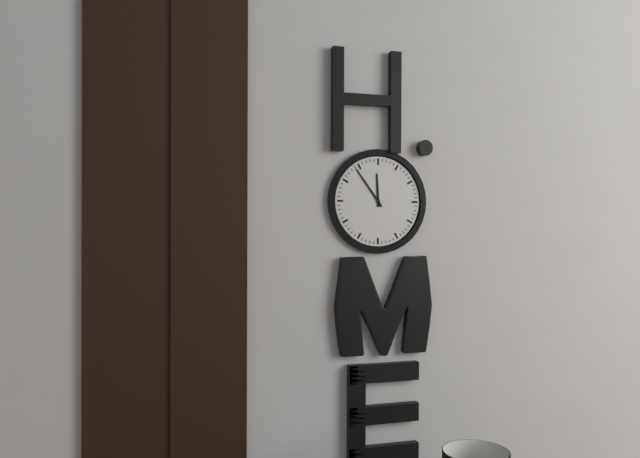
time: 11:54
